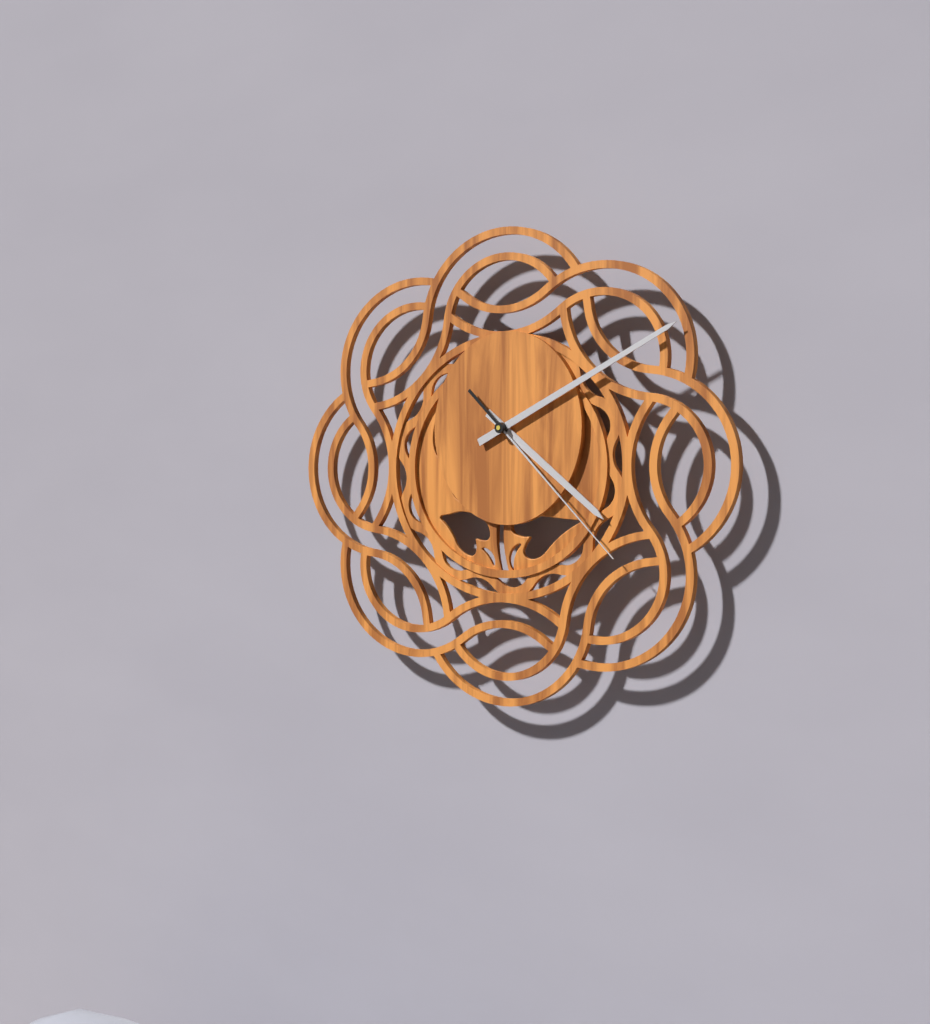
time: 4:11:22
